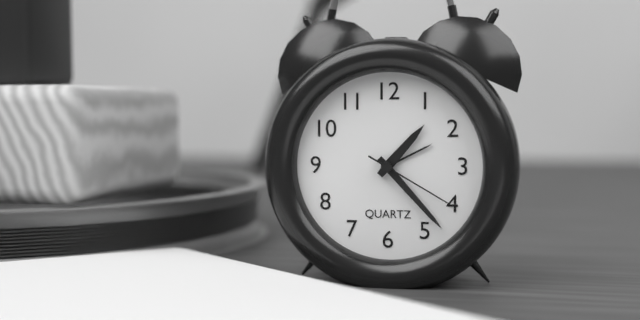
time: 1:23:20
